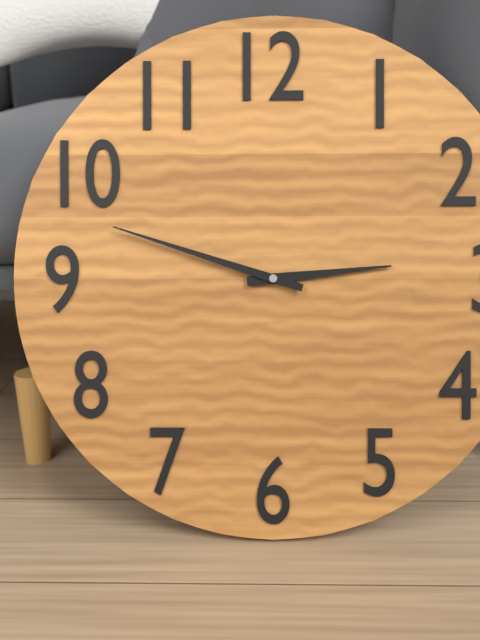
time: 2:48
